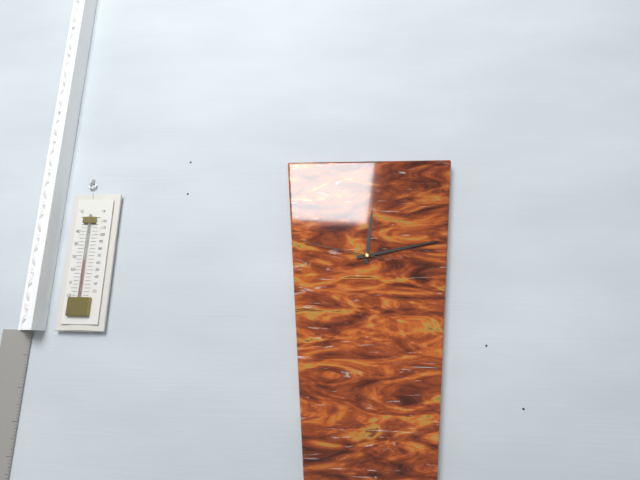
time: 12:13:47
